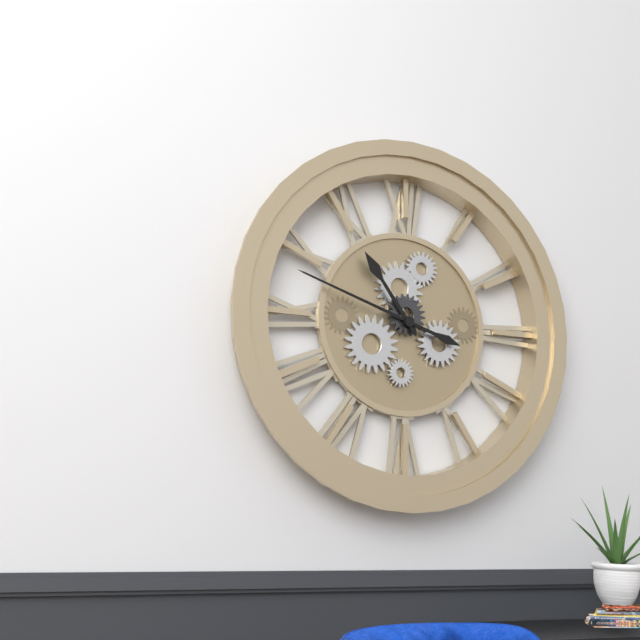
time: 10:48
